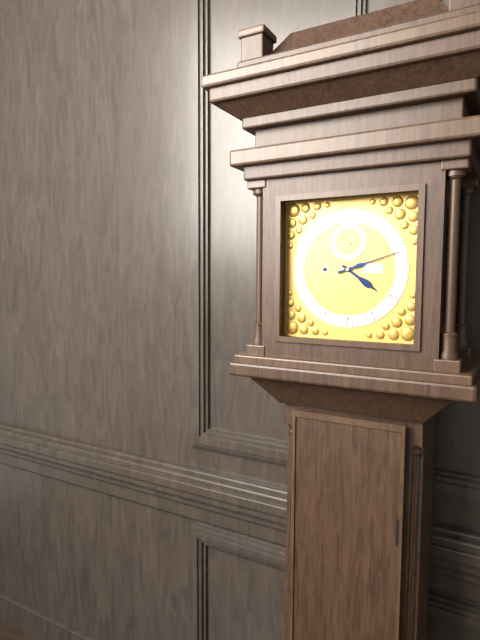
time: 4:12
